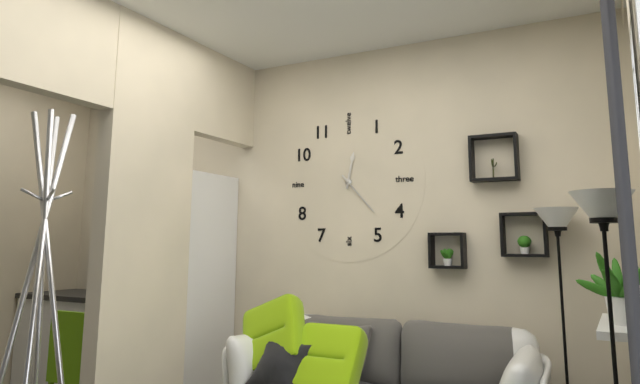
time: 12:23
